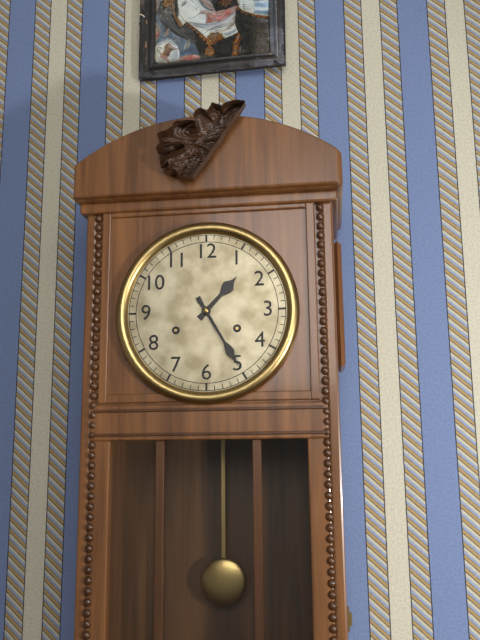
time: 1:25
